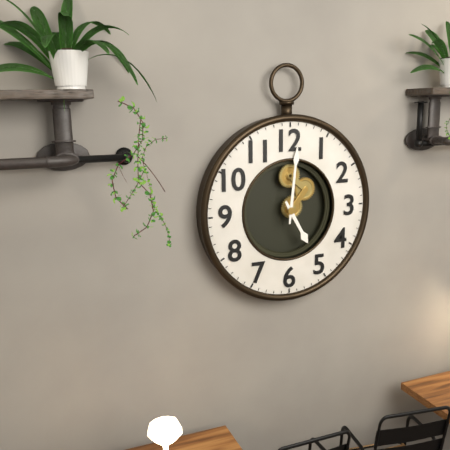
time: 5:01
